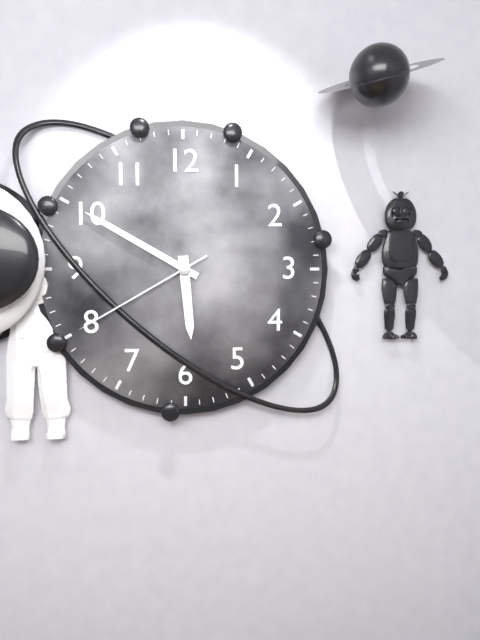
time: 5:50:40
